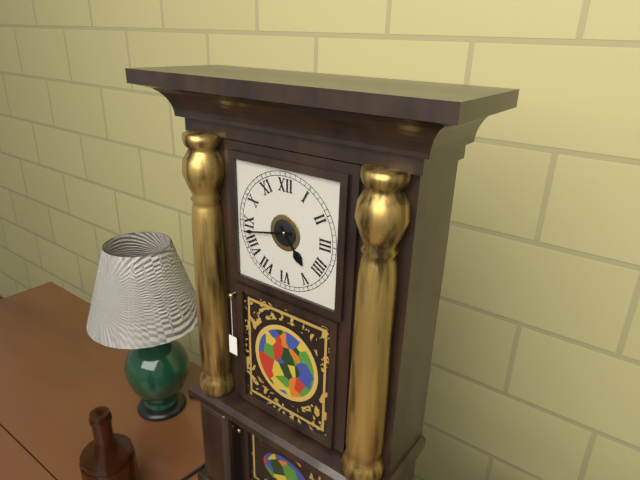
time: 4:43
